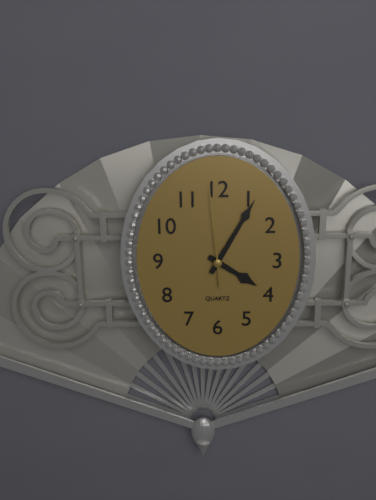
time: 4:05:59
